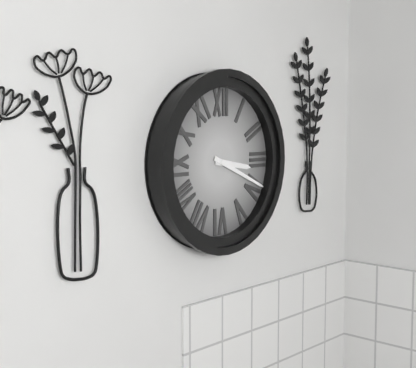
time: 3:19
